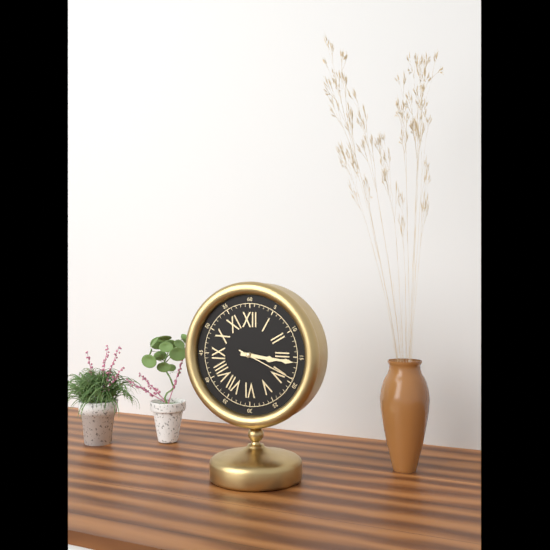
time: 3:16:19
